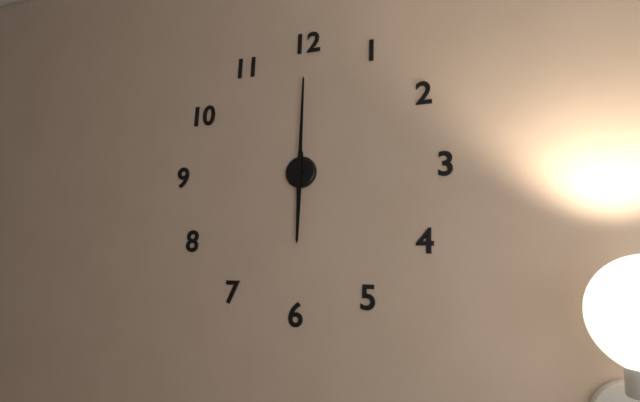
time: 6:00
